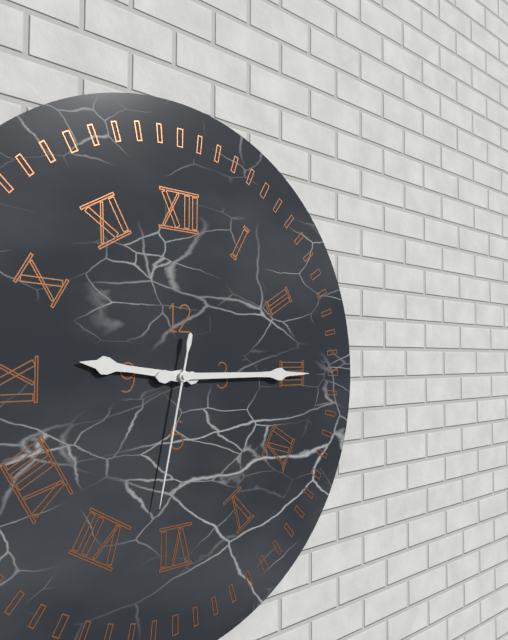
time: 9:15:32
